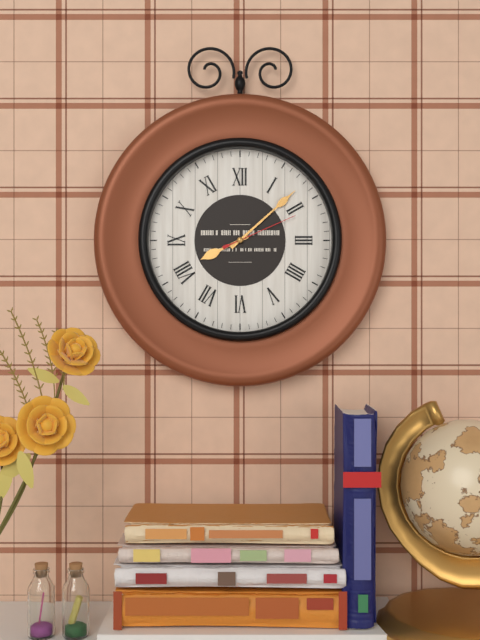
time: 8:08:11
